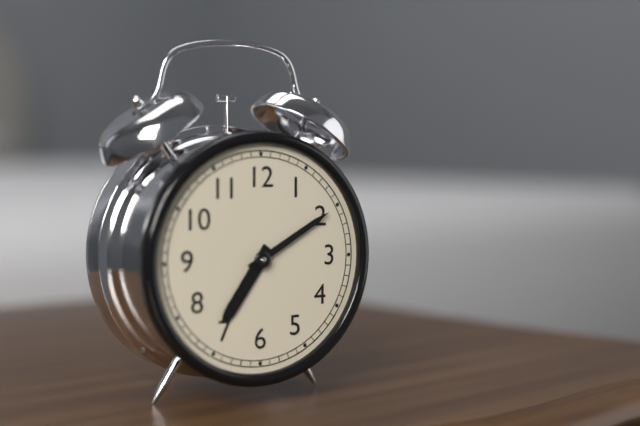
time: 7:10
